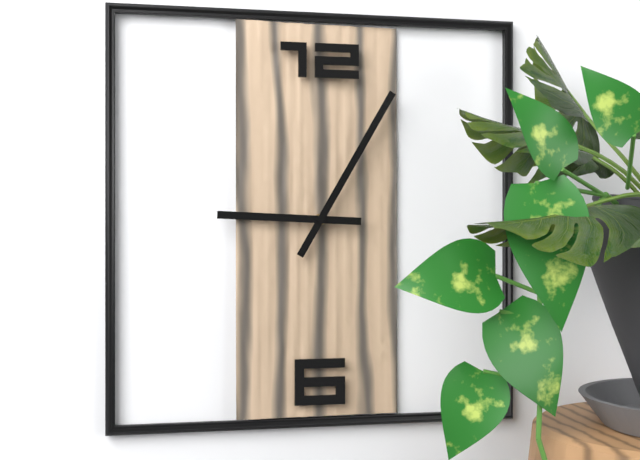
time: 9:05
